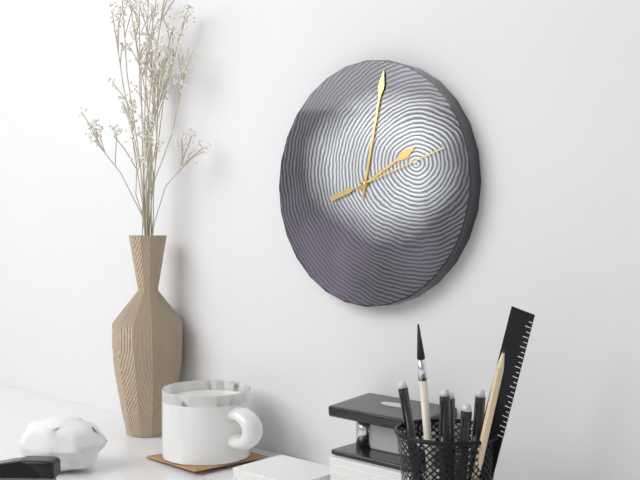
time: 2:02:12
